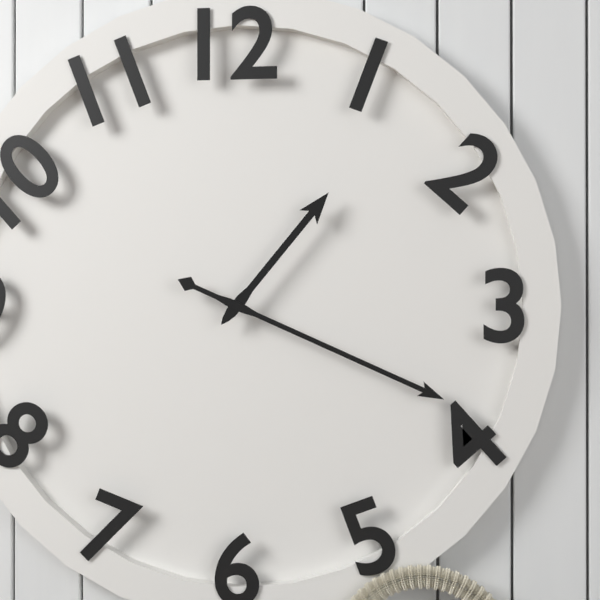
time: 1:19
